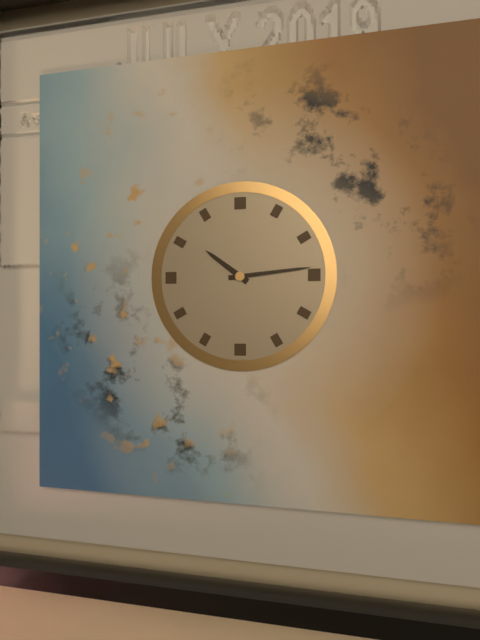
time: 10:14
